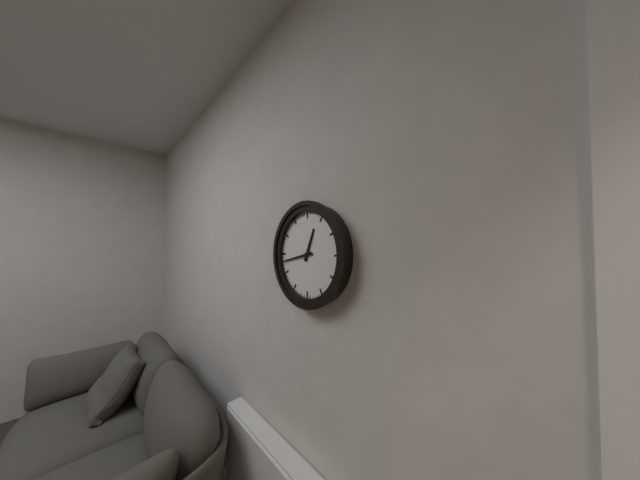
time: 12:43
